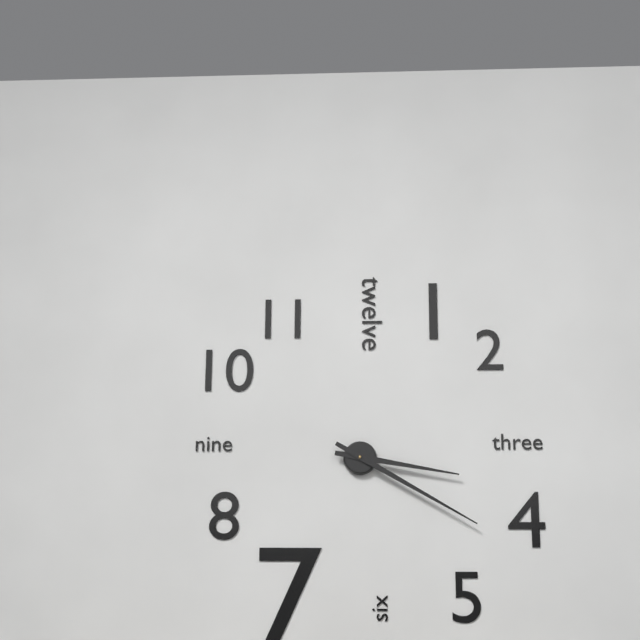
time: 3:20
